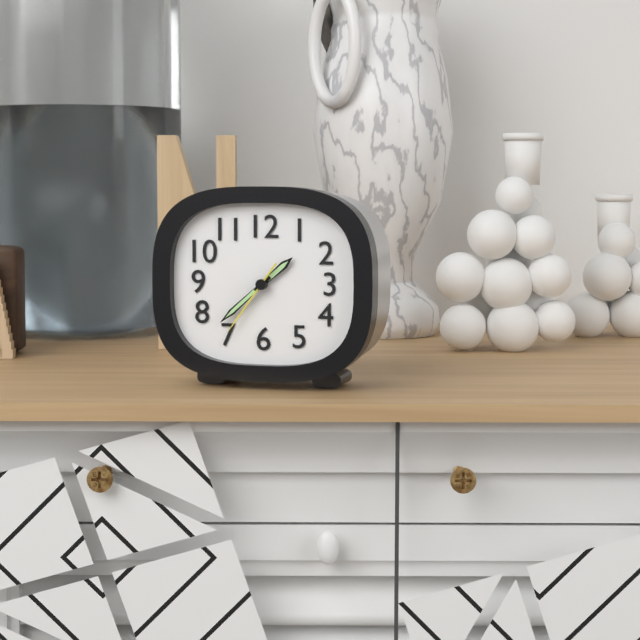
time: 1:38:36
